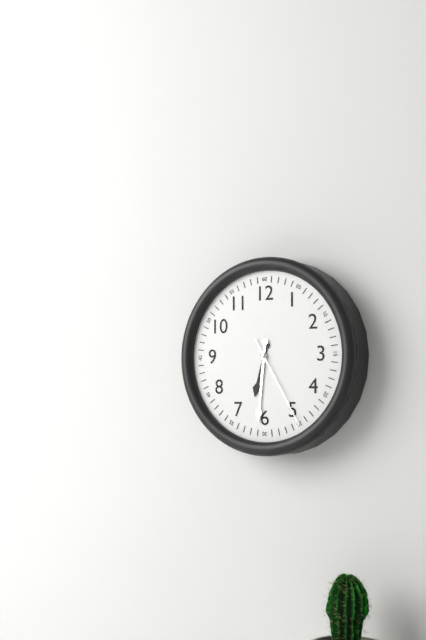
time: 6:31:25
